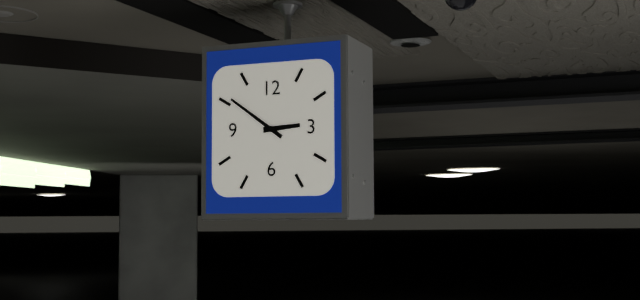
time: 2:51
